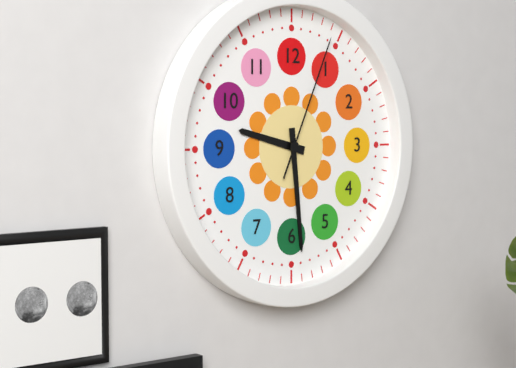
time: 9:29:04
